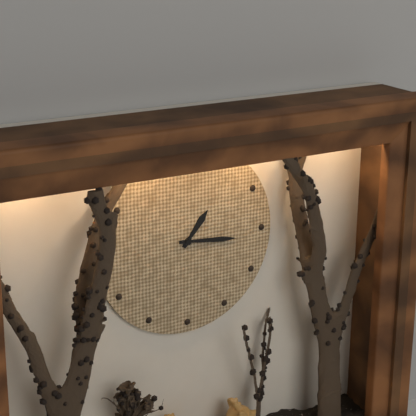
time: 1:16
